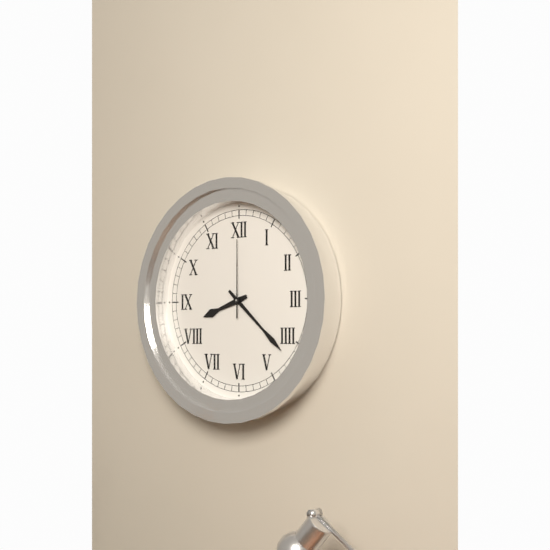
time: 8:22:00
